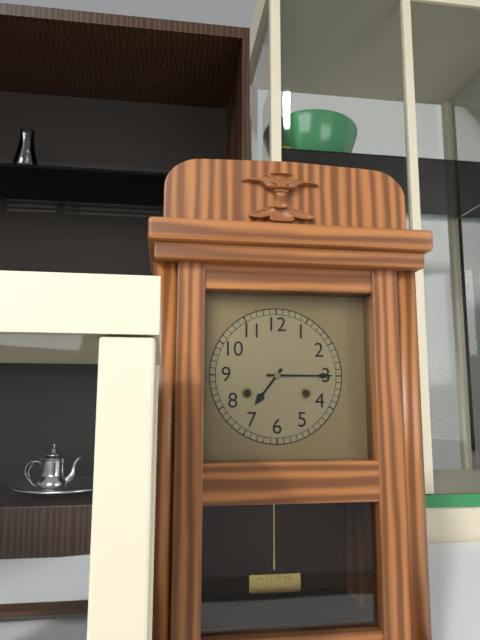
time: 7:15
